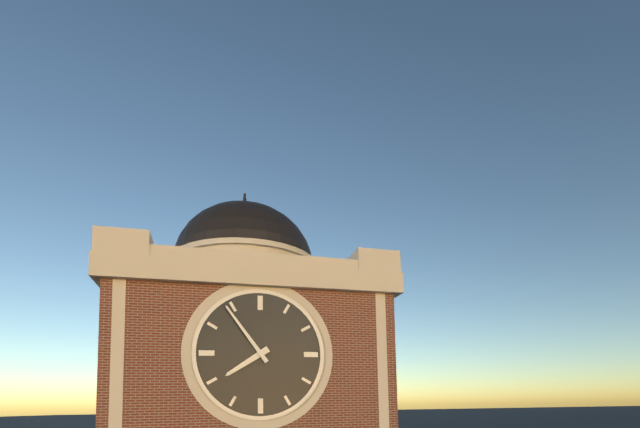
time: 7:54
